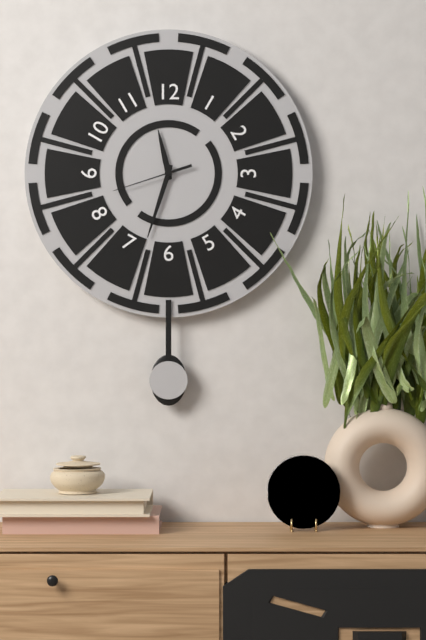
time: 11:33:42
